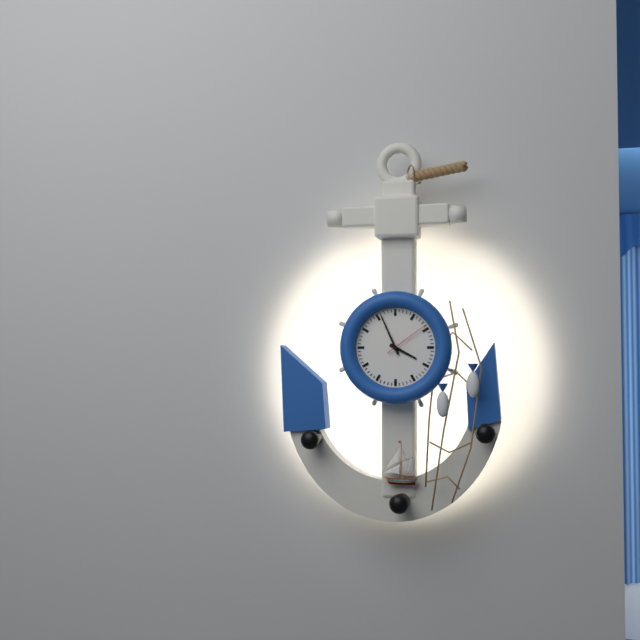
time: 3:56
